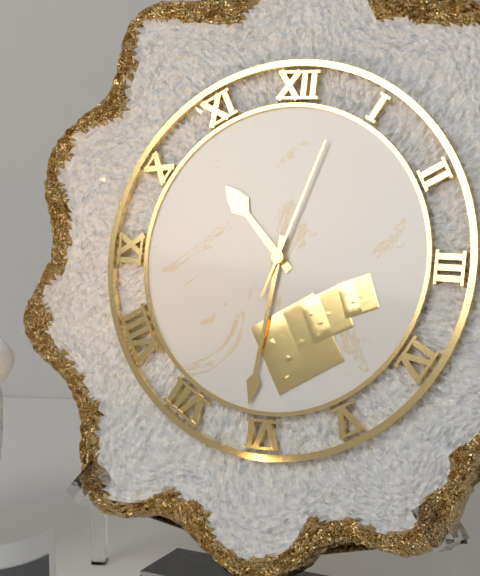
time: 10:31:03
